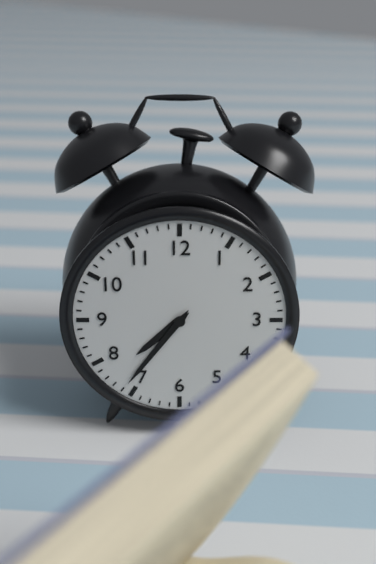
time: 7:36
